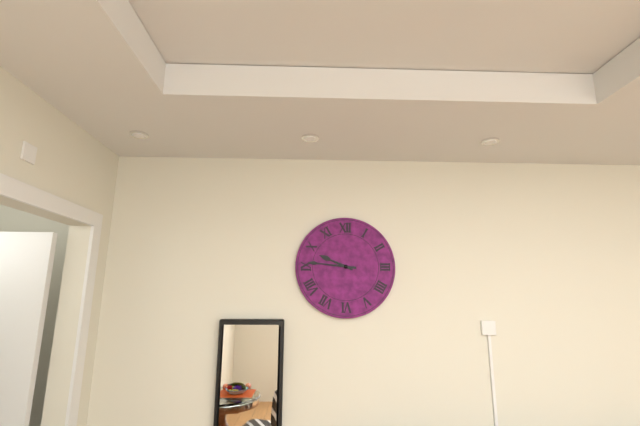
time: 9:46
